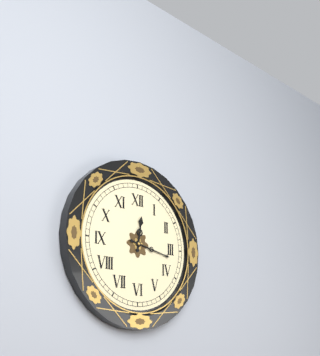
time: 12:17
